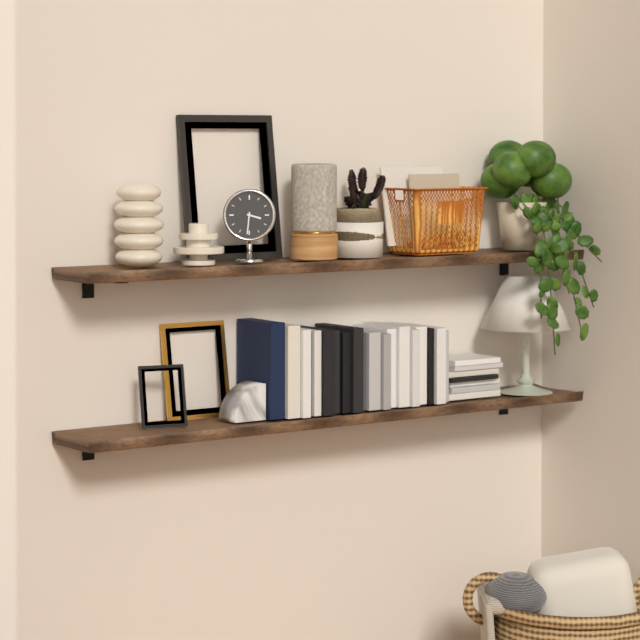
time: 3:31
